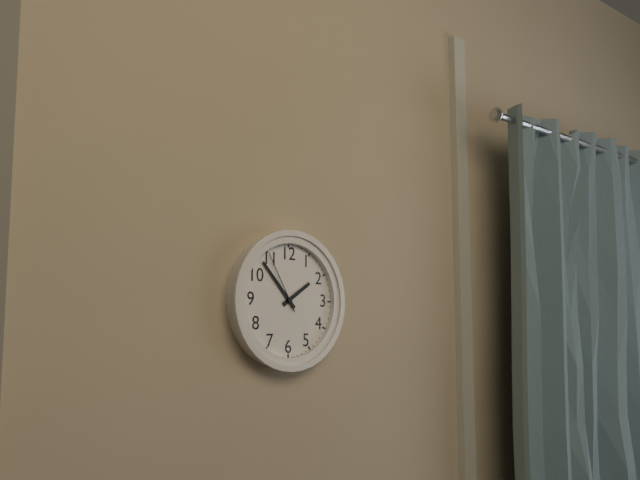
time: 1:53:55
